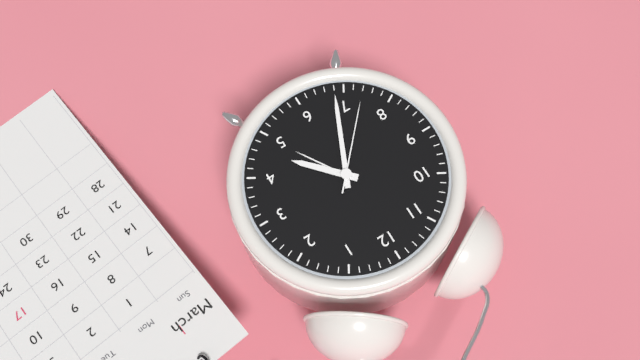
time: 4:34:37
